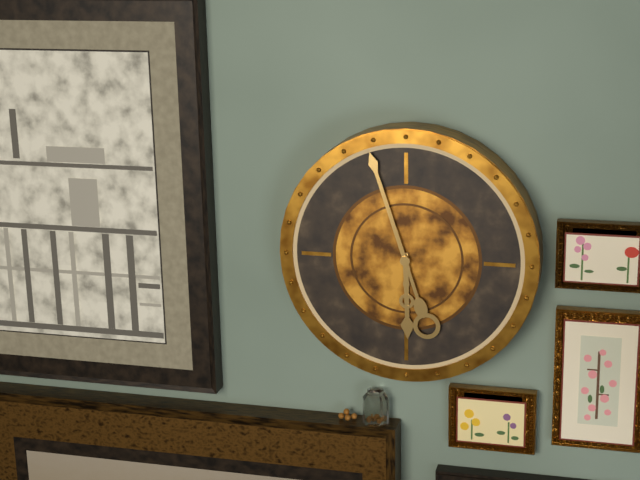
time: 5:57
